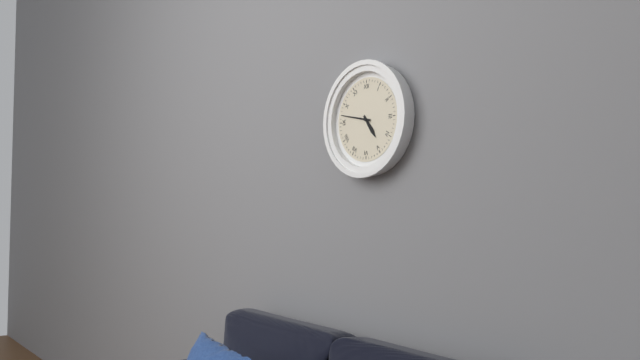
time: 4:47
